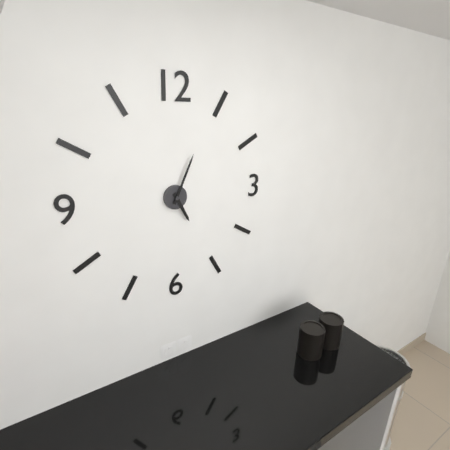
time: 5:04
